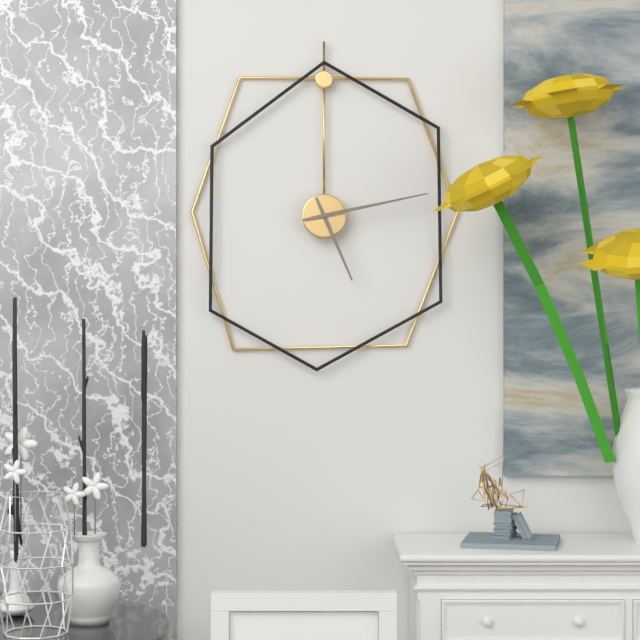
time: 5:13
